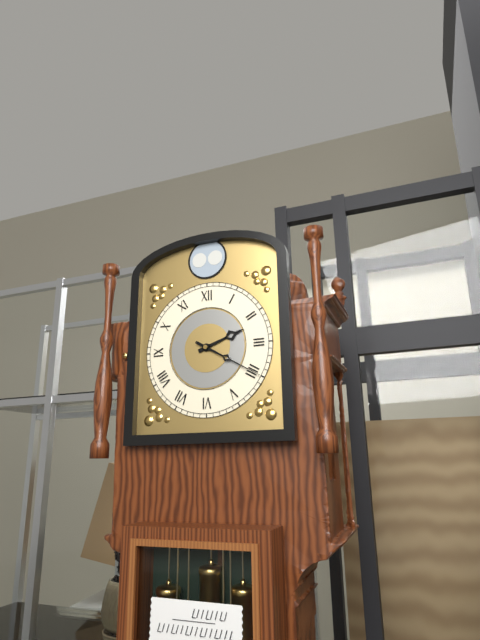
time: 2:20
